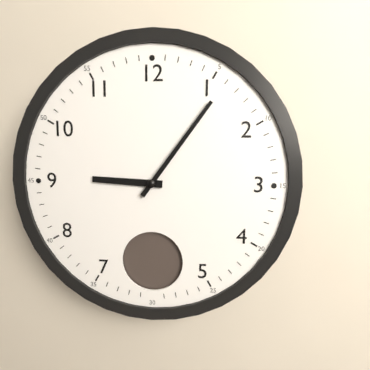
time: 9:06
